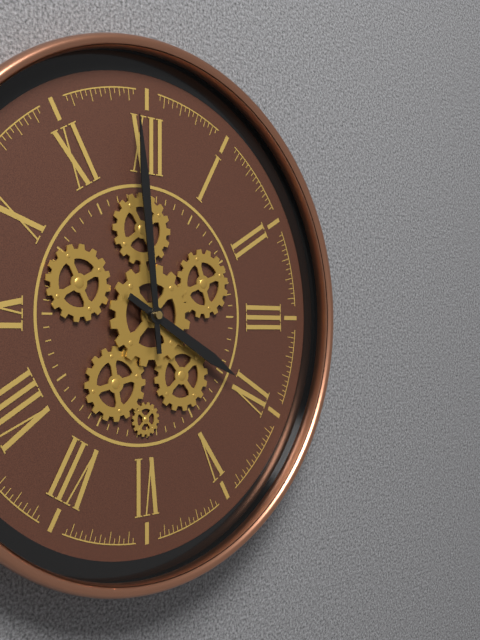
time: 3:59
